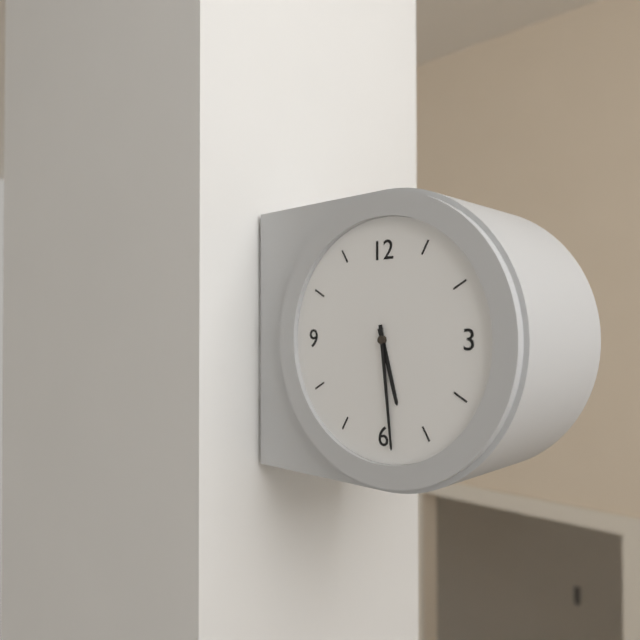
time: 5:29
